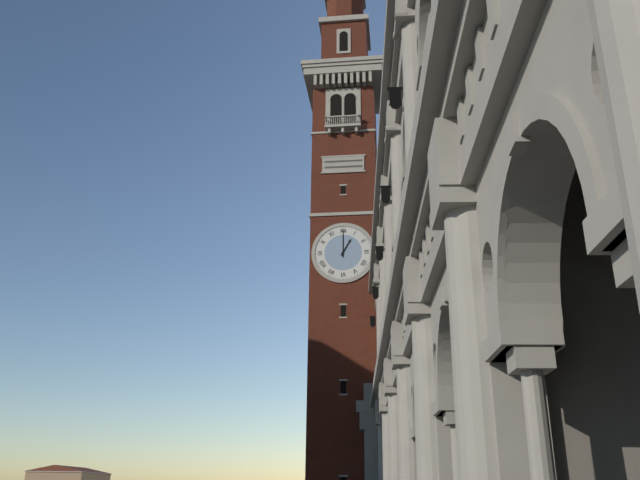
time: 1:00
